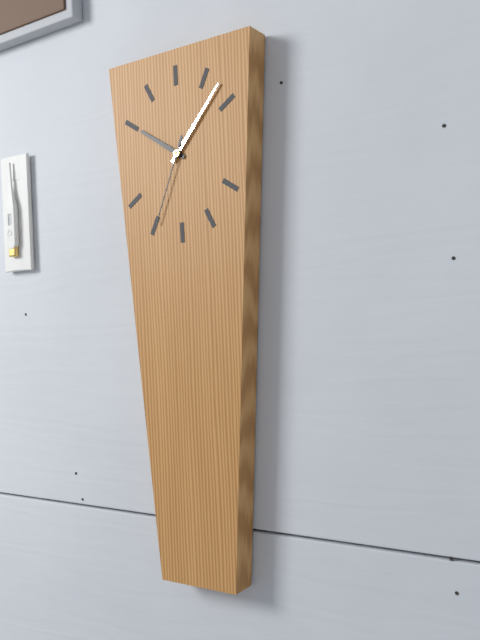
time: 10:07:34
